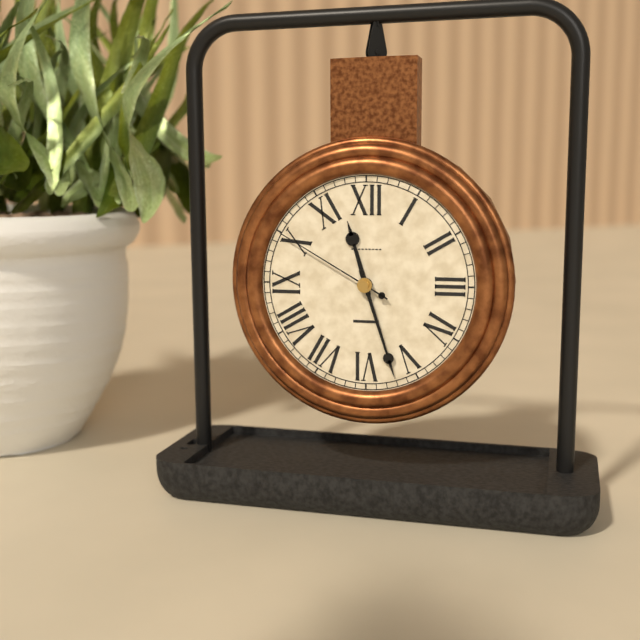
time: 11:27:50
